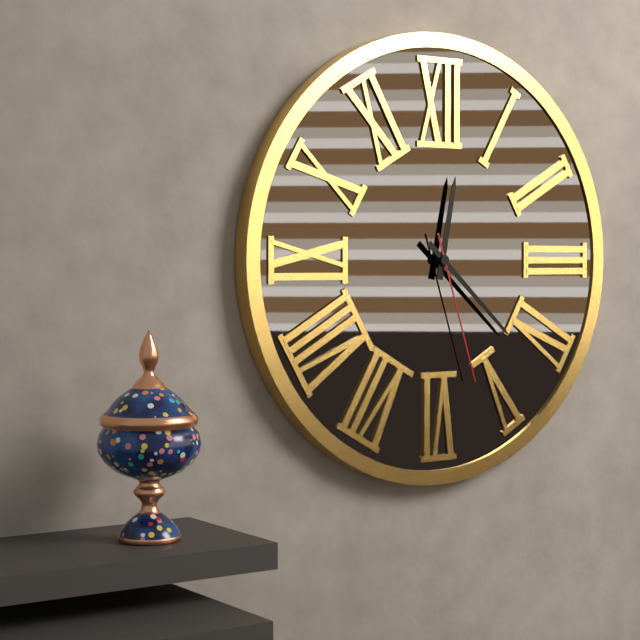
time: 12:22:27
